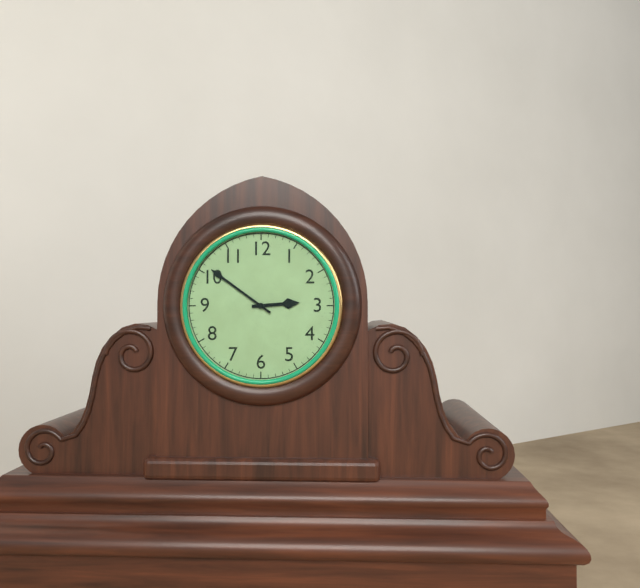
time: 2:51
